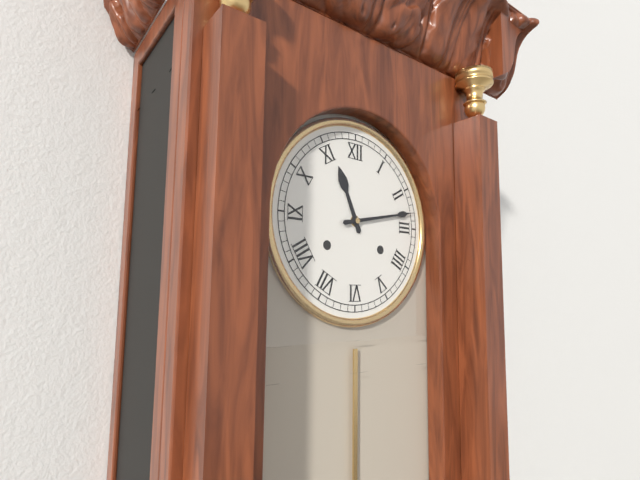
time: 11:13
